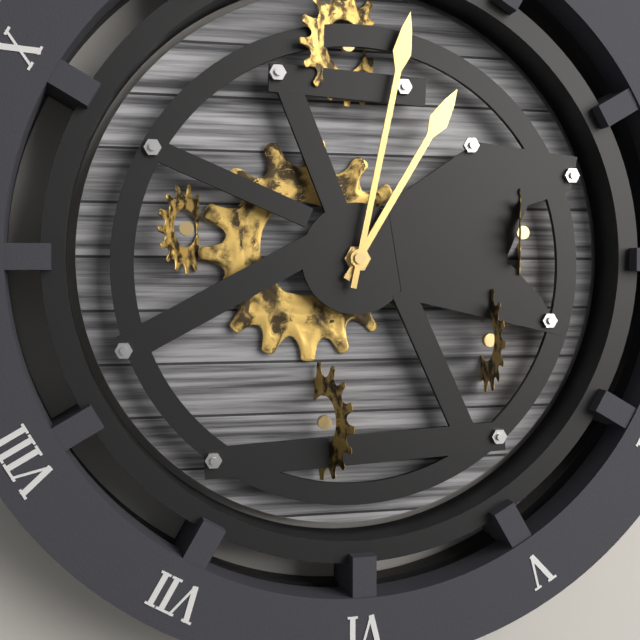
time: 1:02
